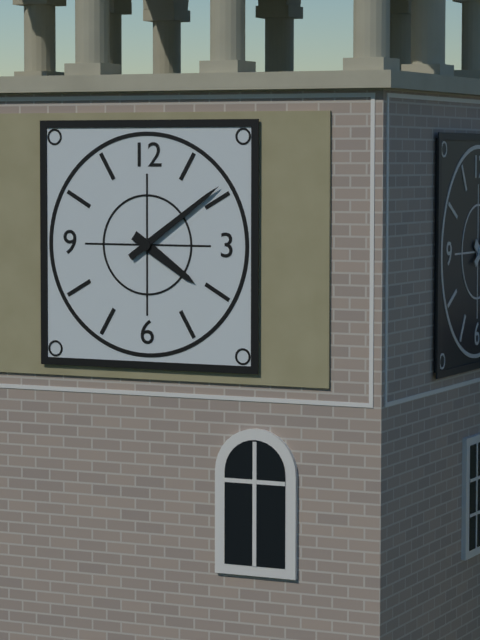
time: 4:09
